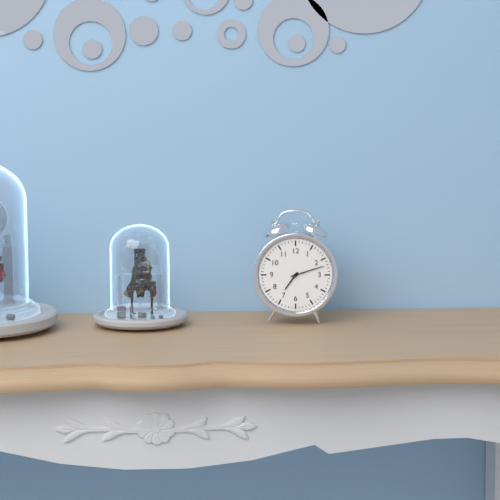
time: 7:12
